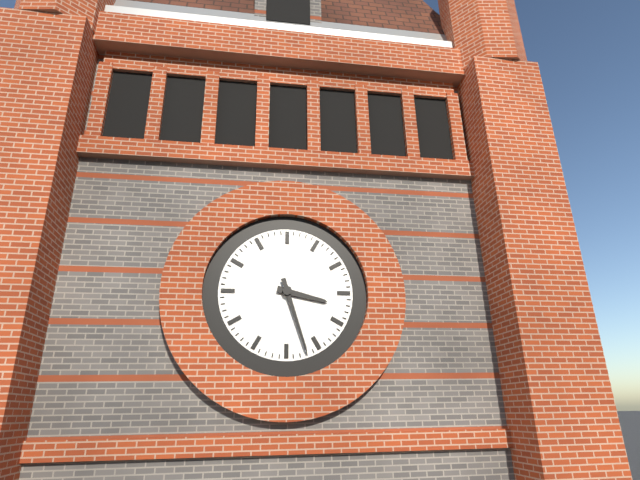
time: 3:27
